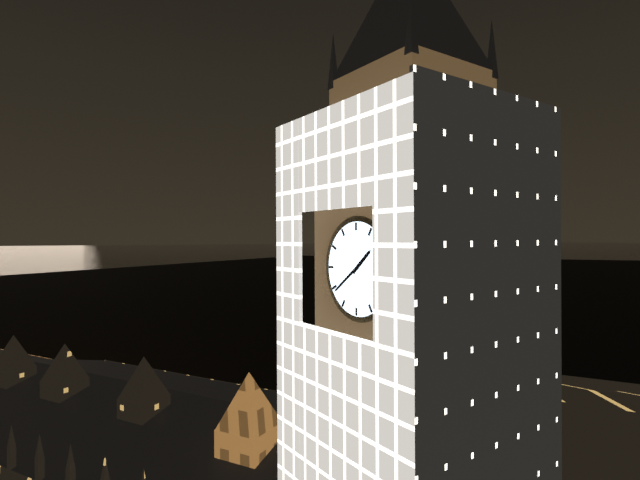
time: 1:39
